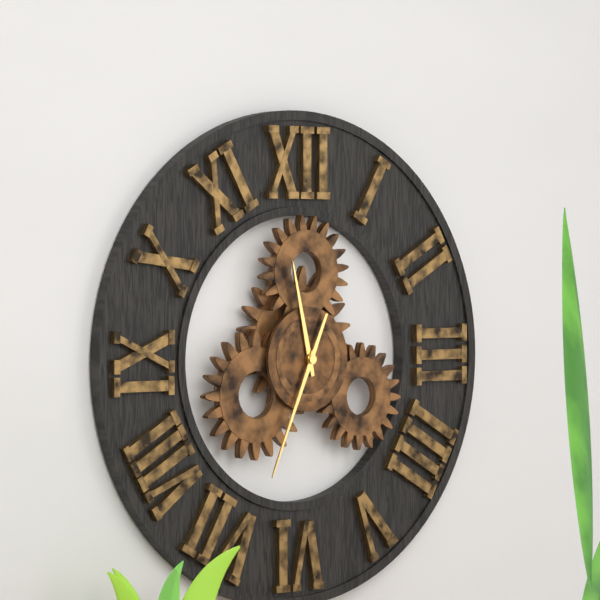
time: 11:34
